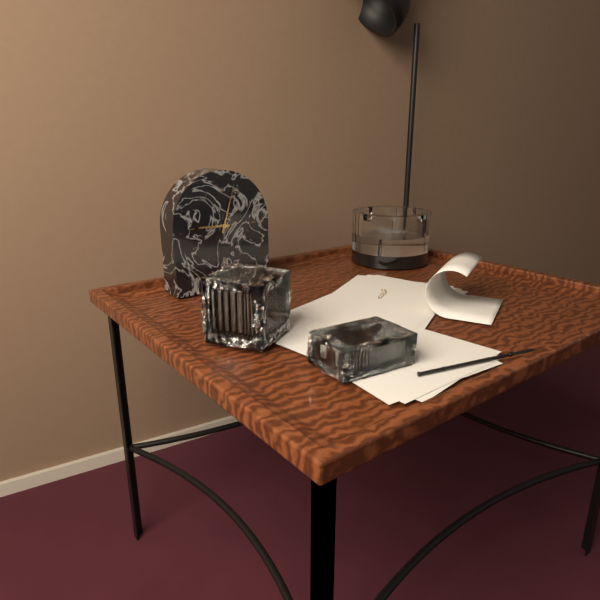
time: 9:03
